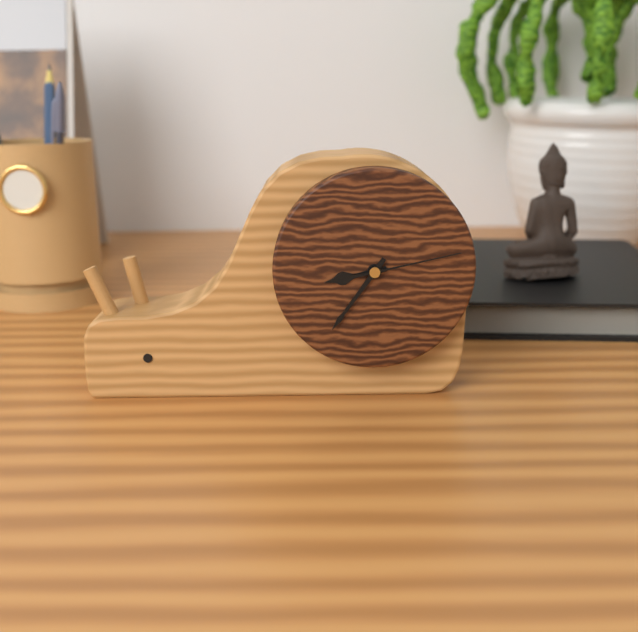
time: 8:36:13
